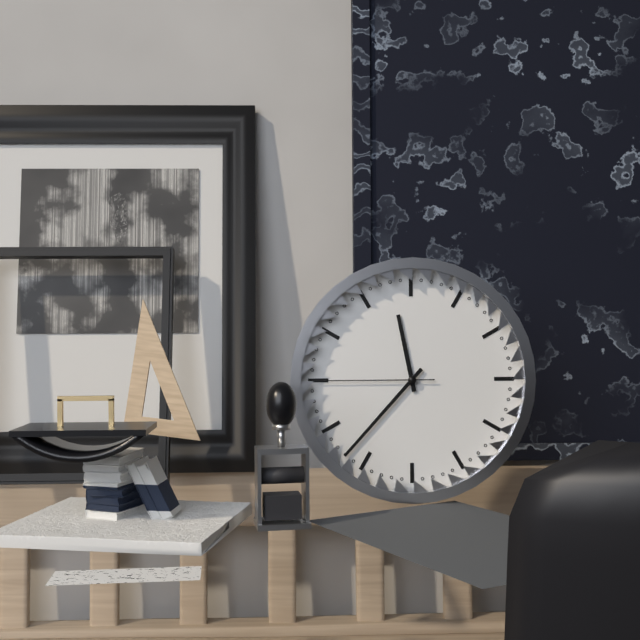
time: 11:37:45
